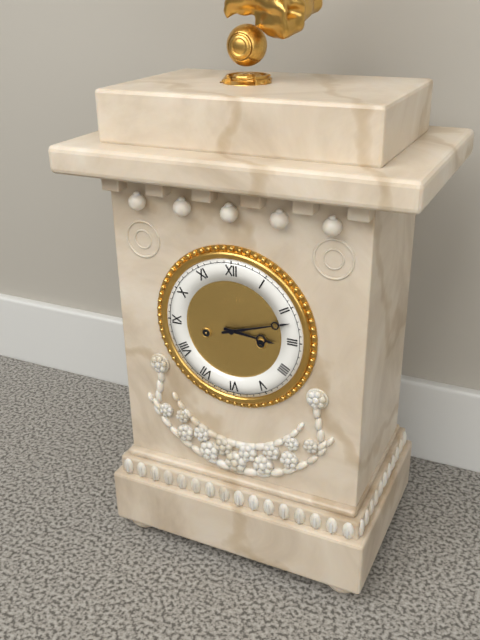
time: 3:12
